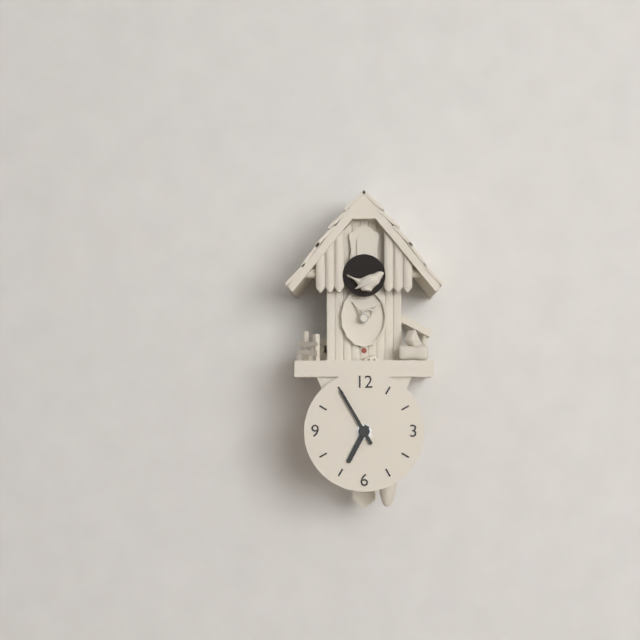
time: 6:55
